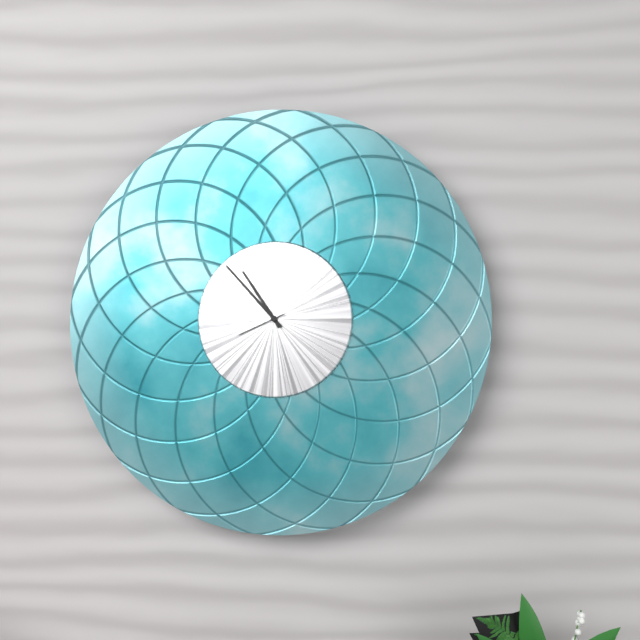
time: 10:53
